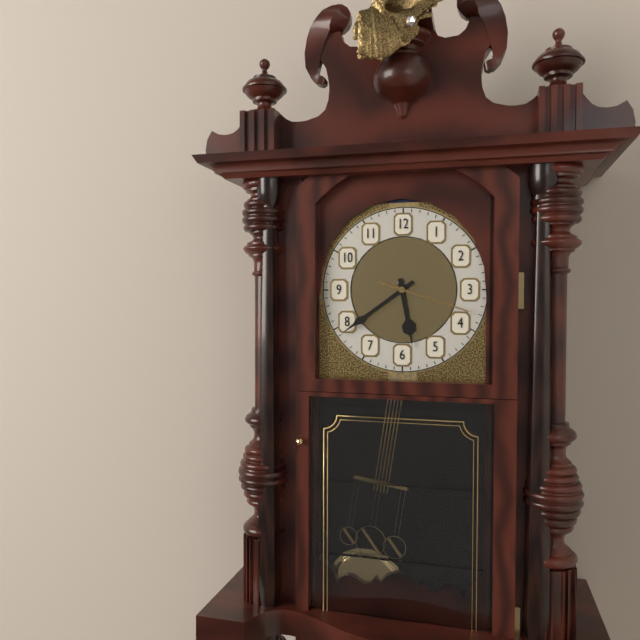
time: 5:39:18
